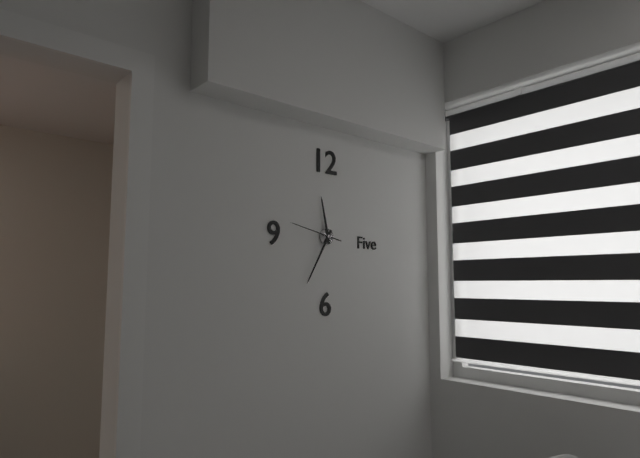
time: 11:35:47
